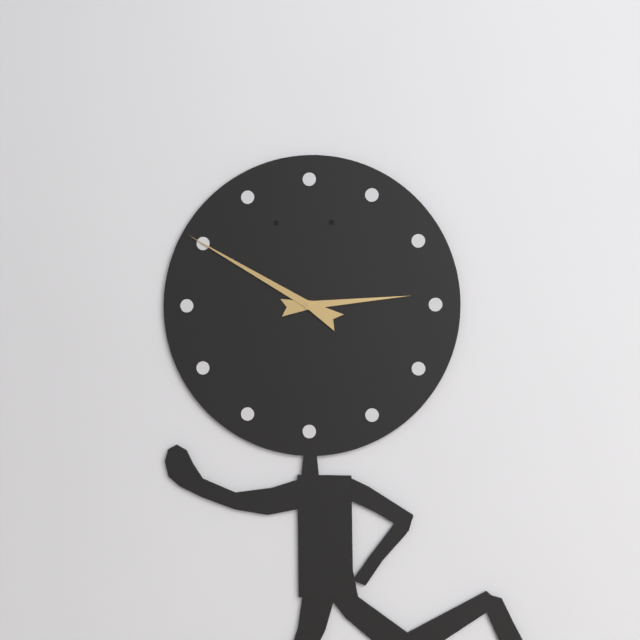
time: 2:50
